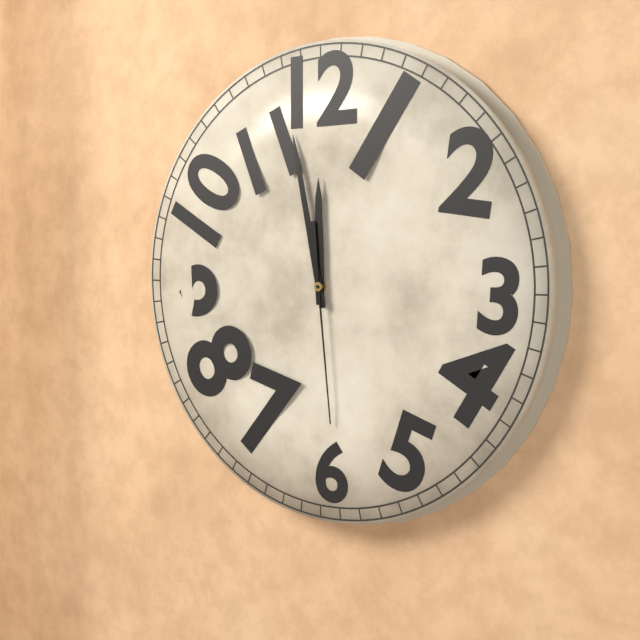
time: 11:58:29
